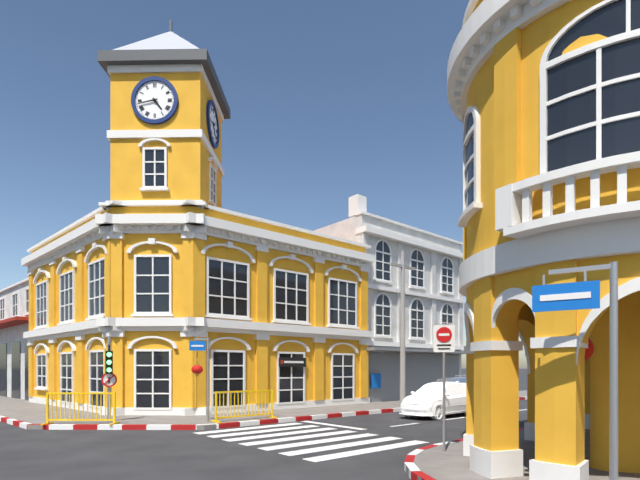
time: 4:43
